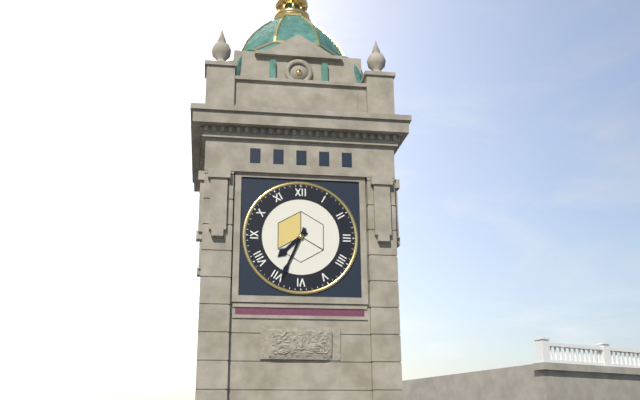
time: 7:34
